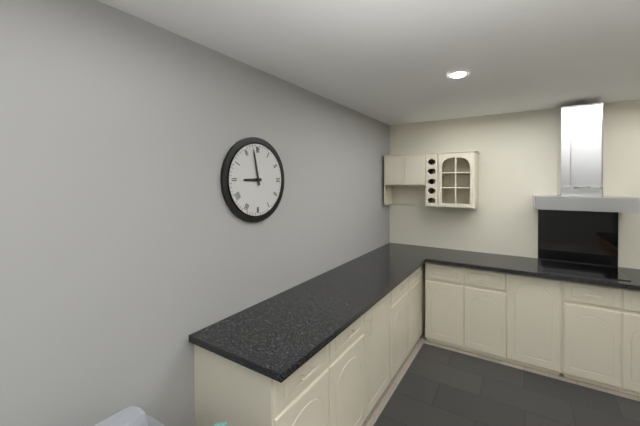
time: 8:58
